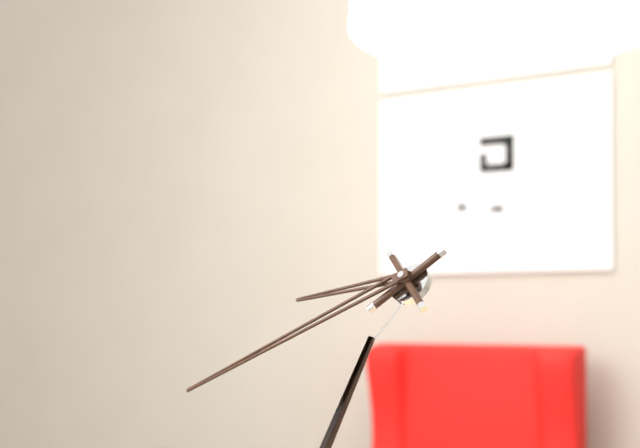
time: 8:40
